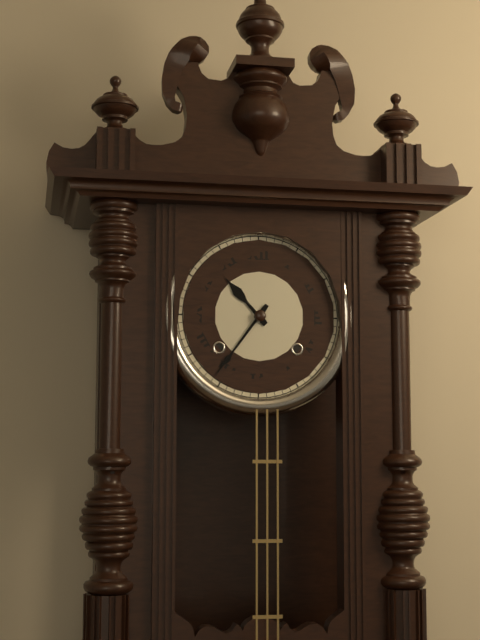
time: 10:36
